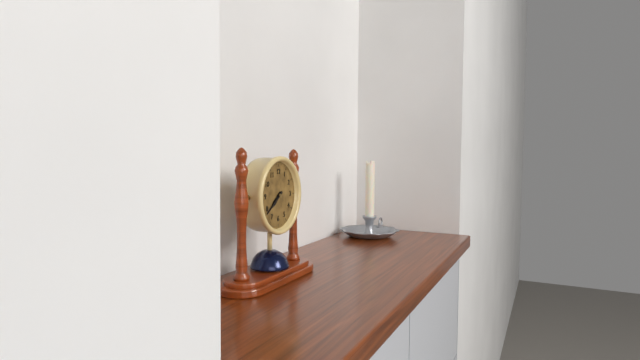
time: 7:39
